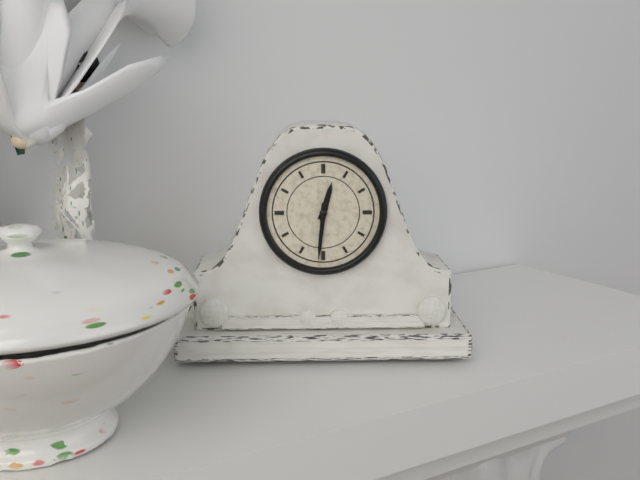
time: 12:31
